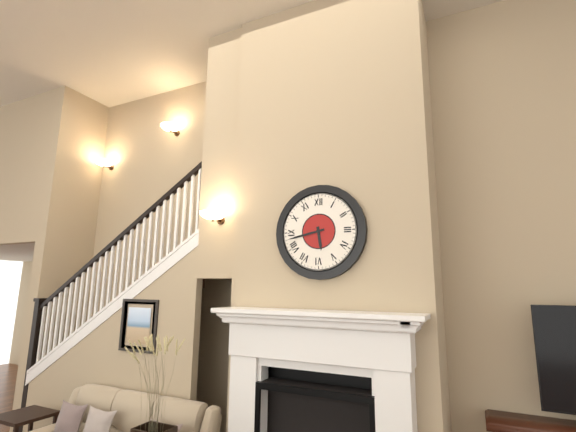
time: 5:43
